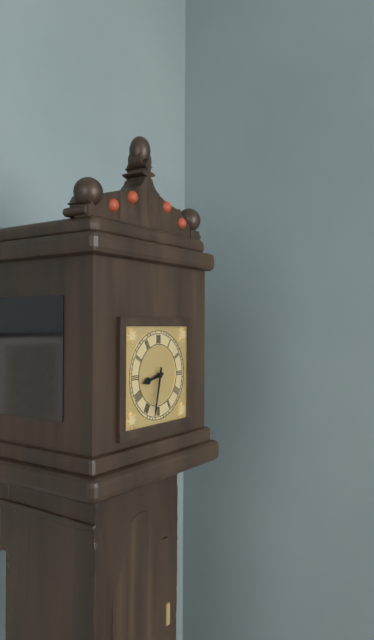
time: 8:32
